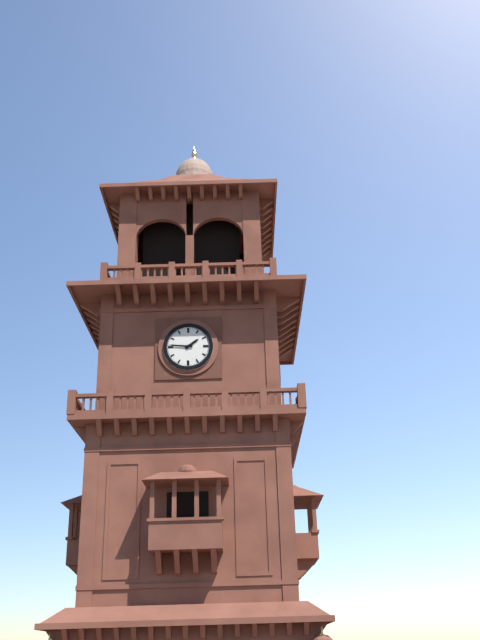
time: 1:46
